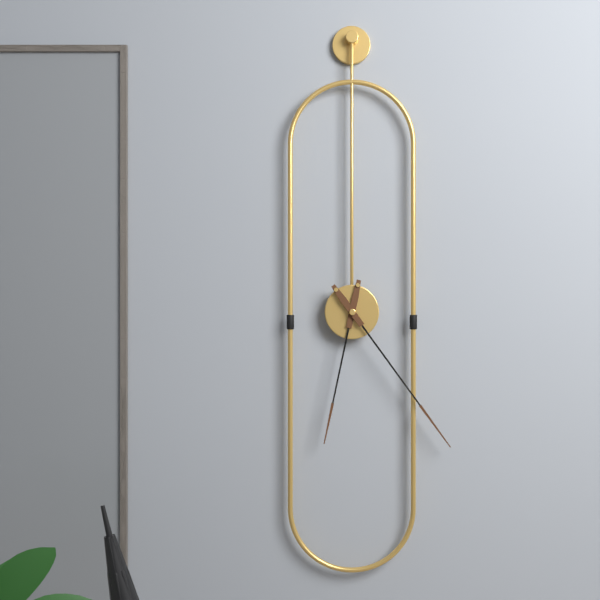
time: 6:24
